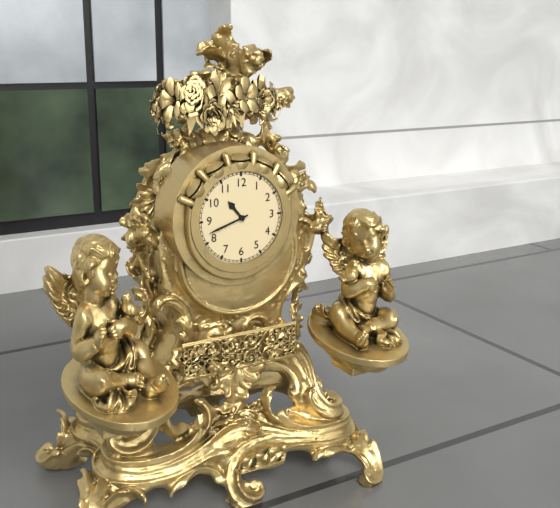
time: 10:42
